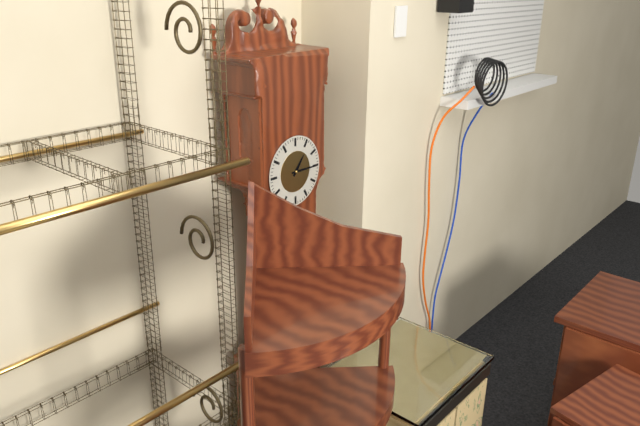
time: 1:15
